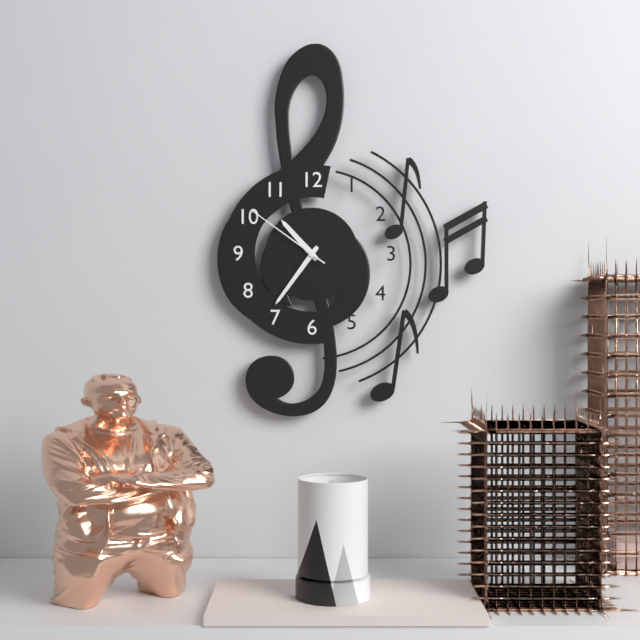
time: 10:36:51
